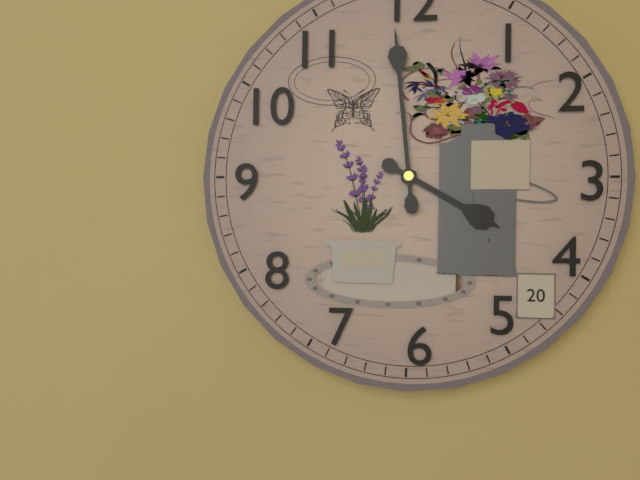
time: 3:59
